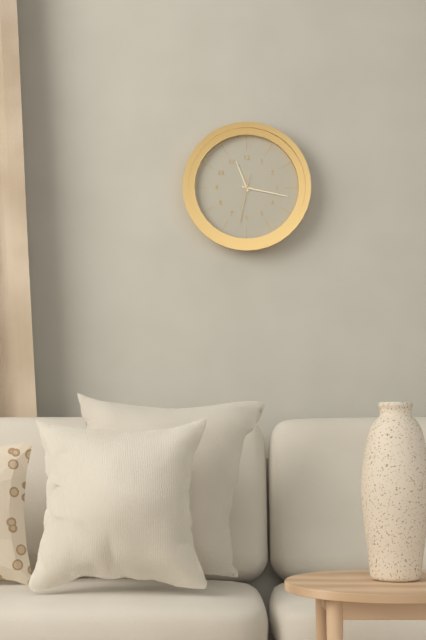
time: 11:17
